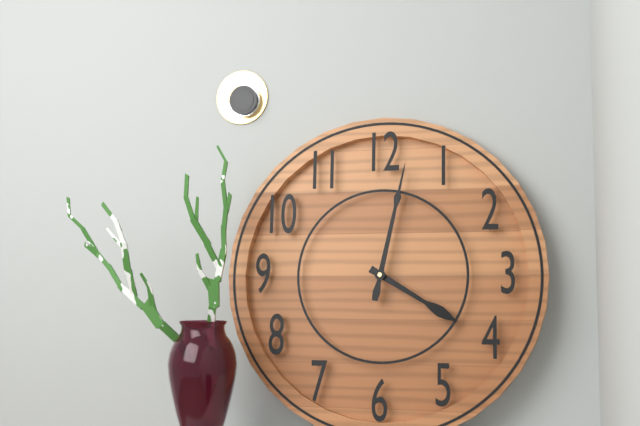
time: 4:02
